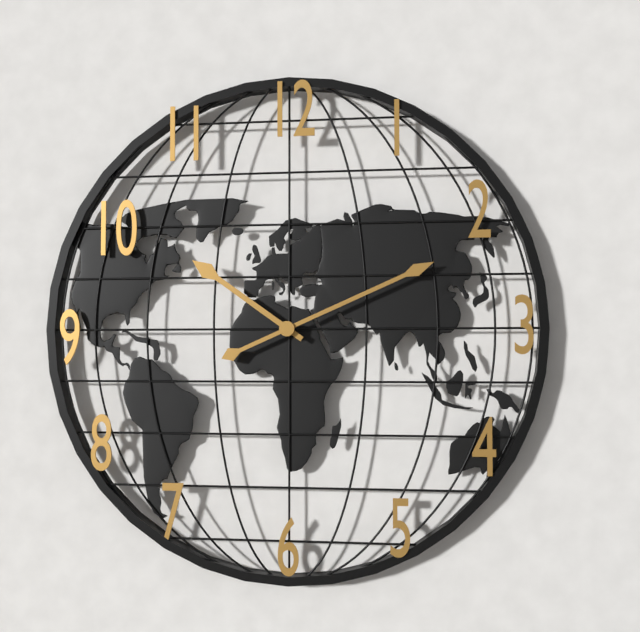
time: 10:11
